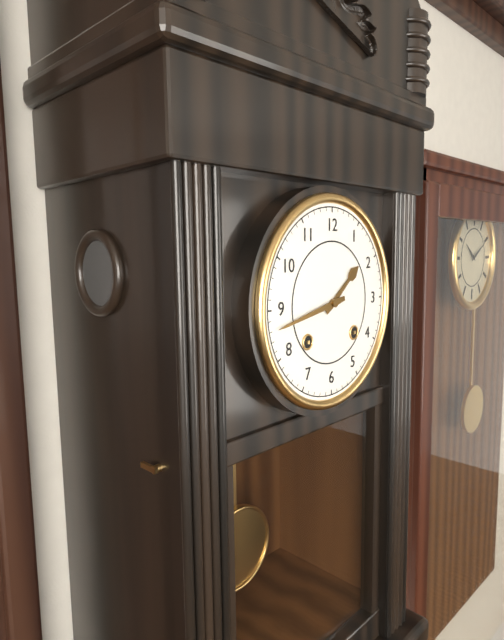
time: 1:43
